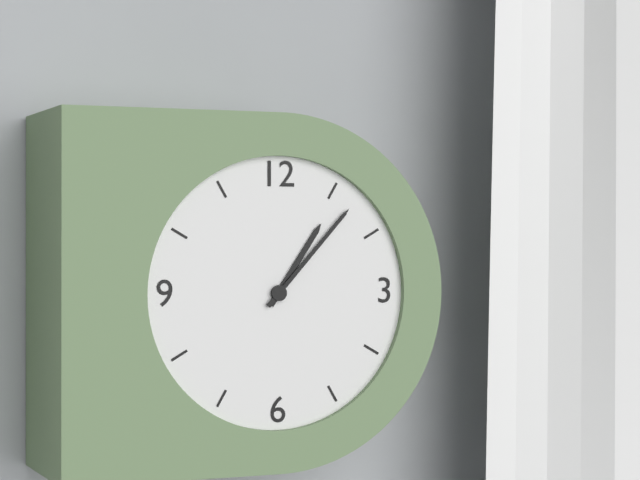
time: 1:07
